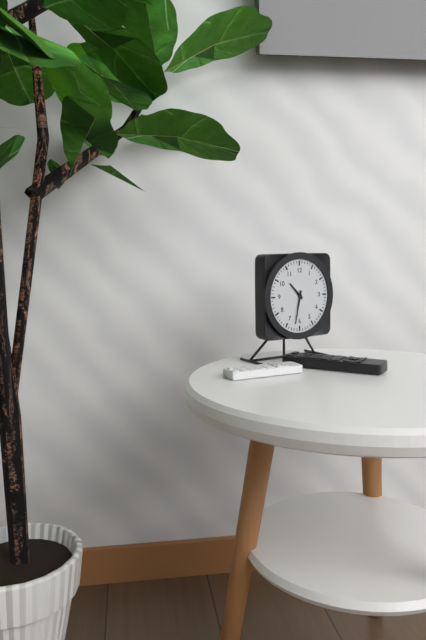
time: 10:32
